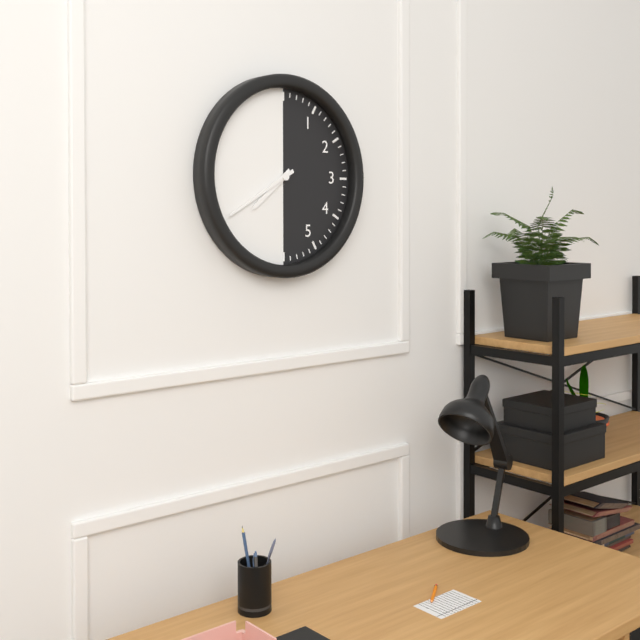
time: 7:40
